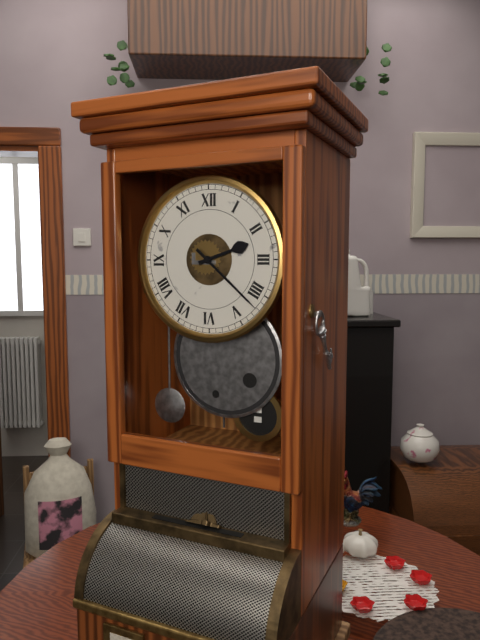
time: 2:22
